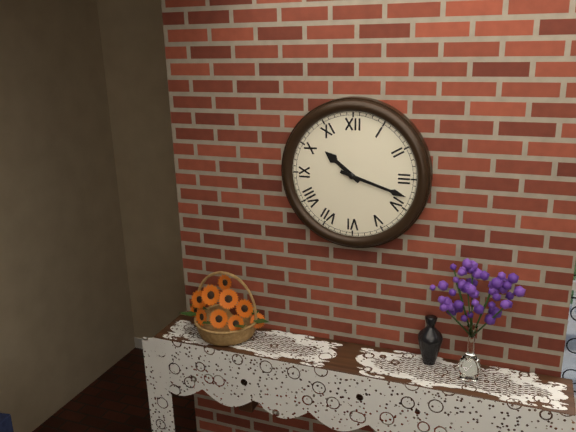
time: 10:18
